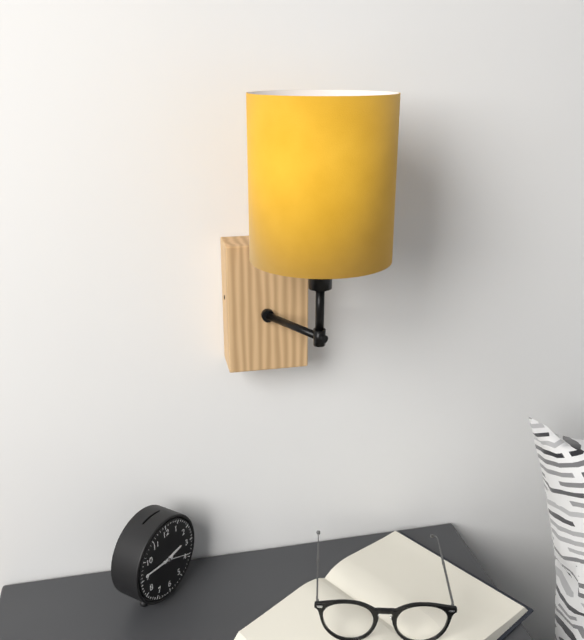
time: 2:46
